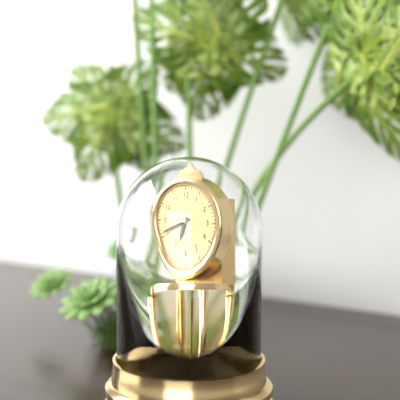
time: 6:41
